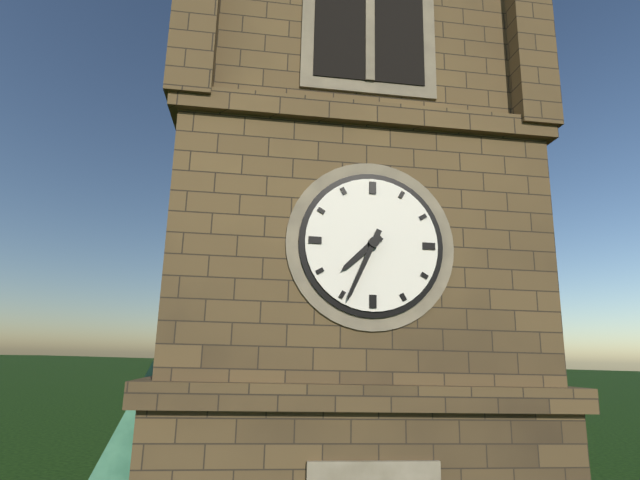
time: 7:34
